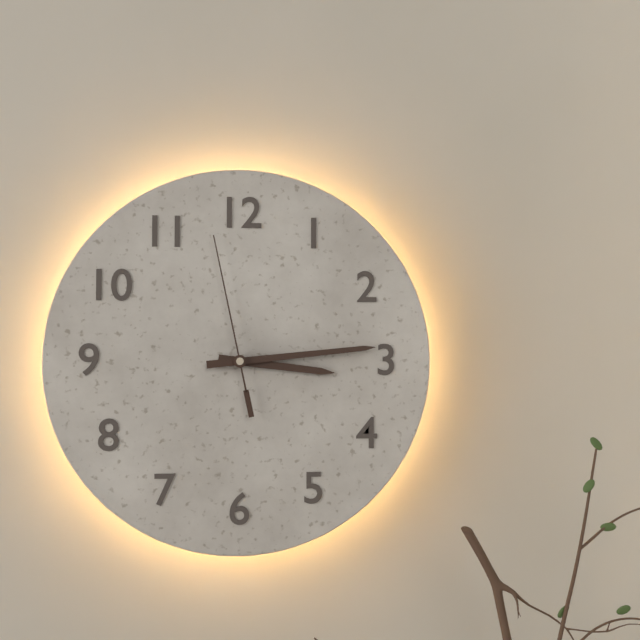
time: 3:14:58
